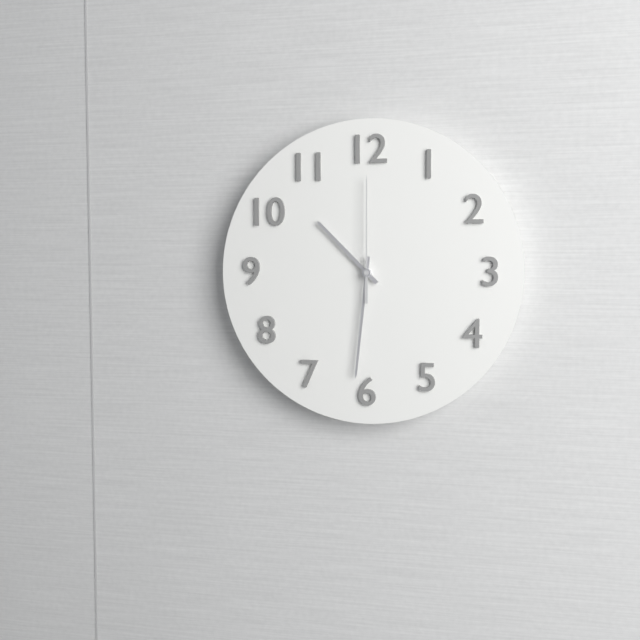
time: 10:31:00
